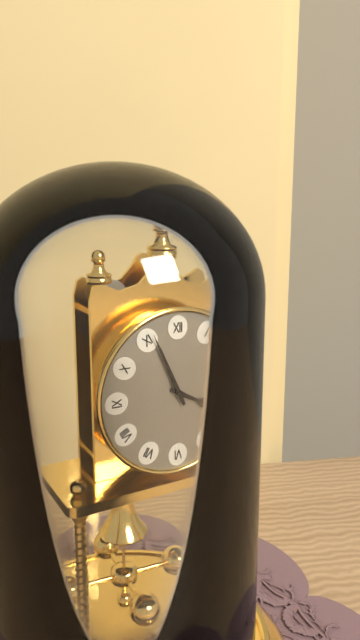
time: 3:56
